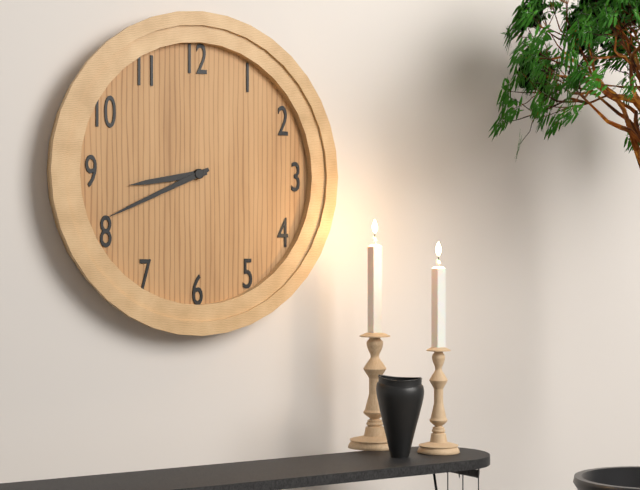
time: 8:41
